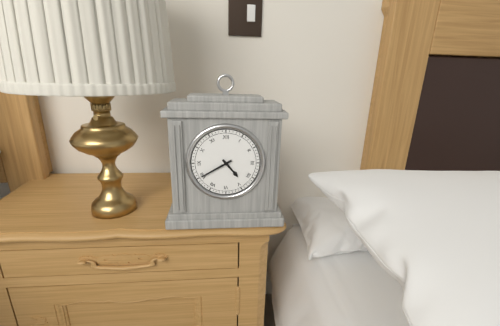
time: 4:40
